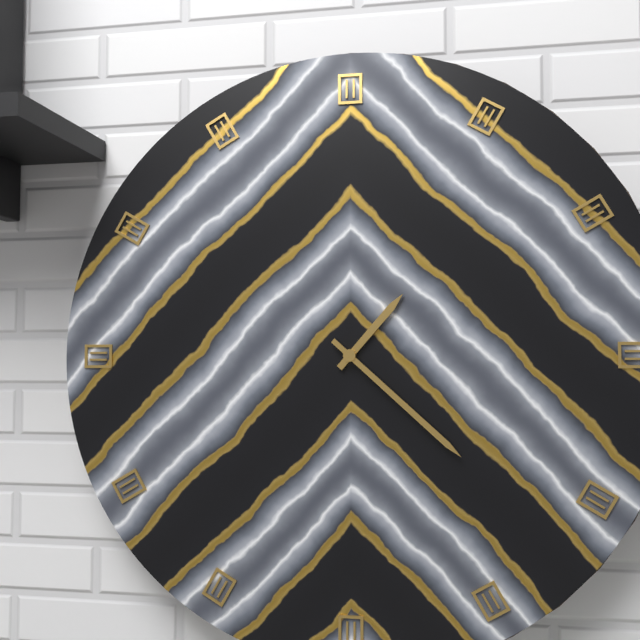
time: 1:22
